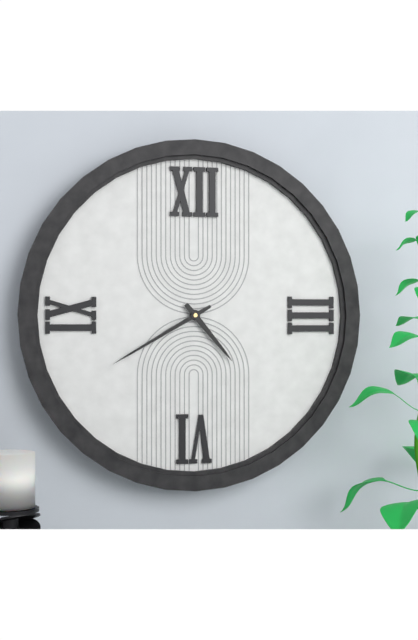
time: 4:40
